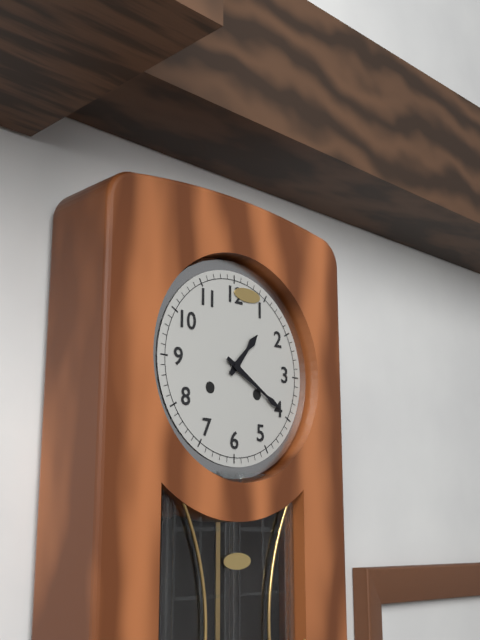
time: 1:20
